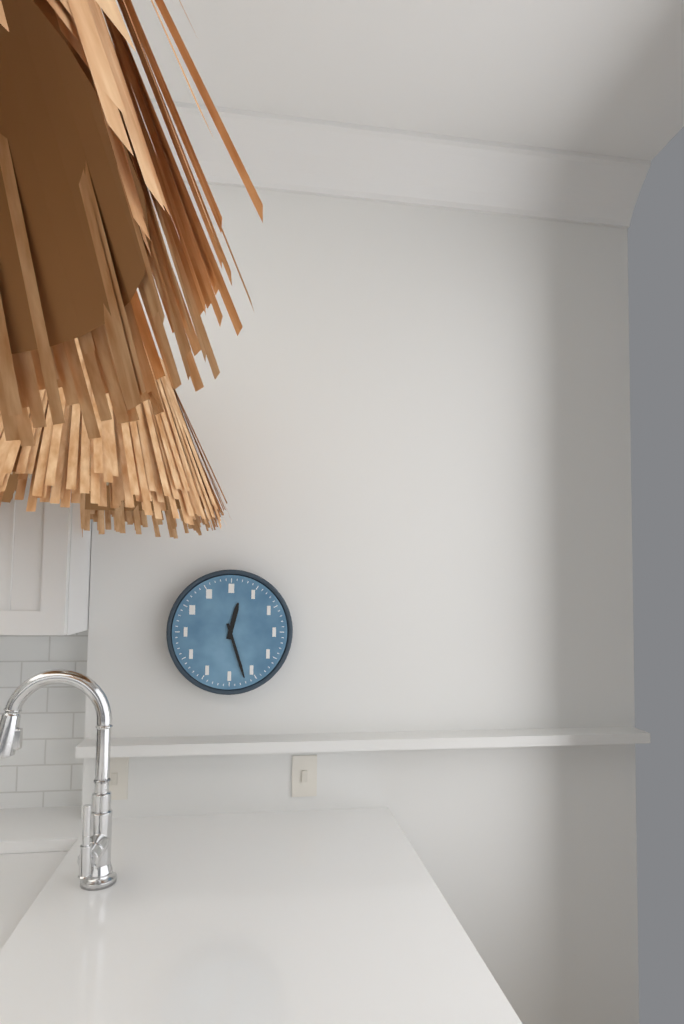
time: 12:27
